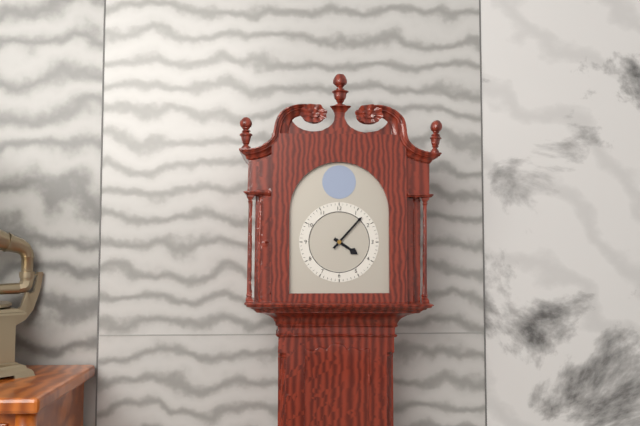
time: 4:07
